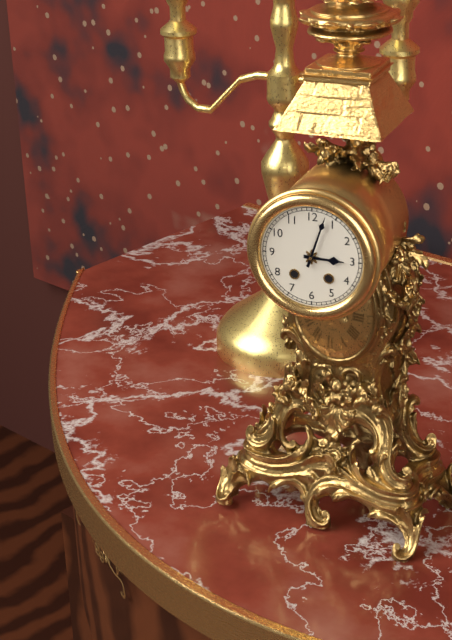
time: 3:03
